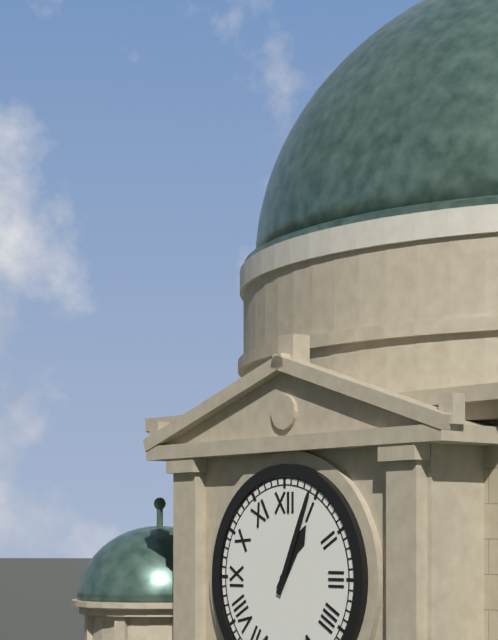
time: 1:04
